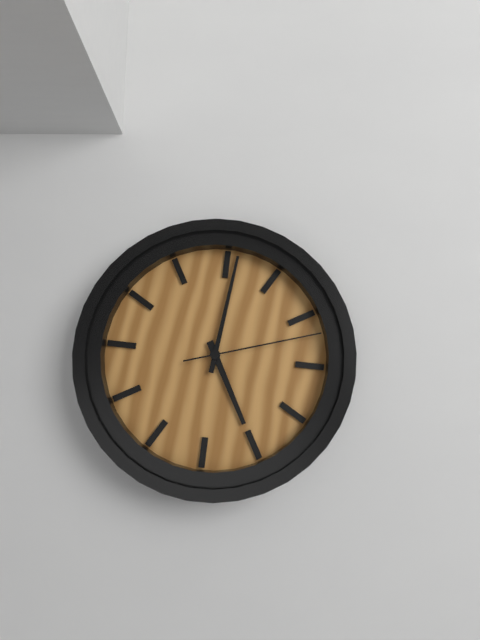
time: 5:01:12
